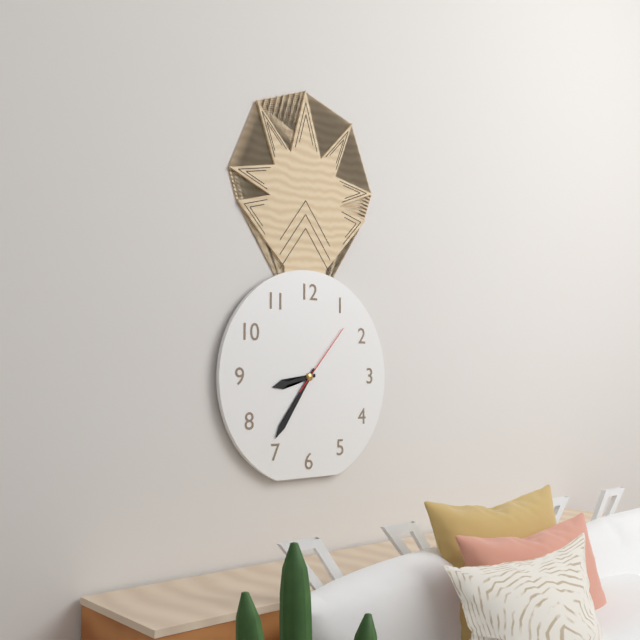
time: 8:36:07
